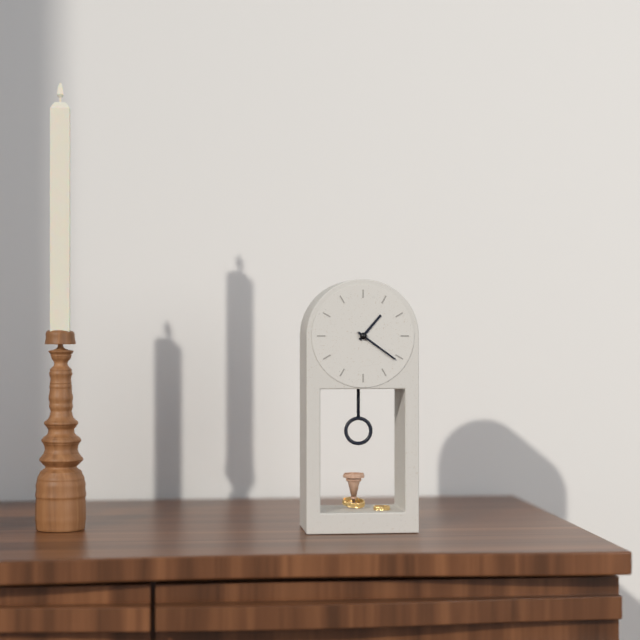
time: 1:21
